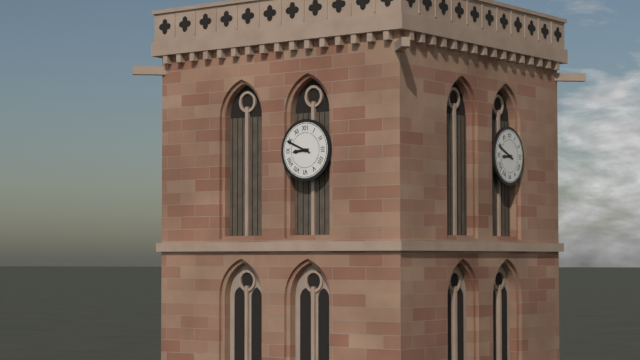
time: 8:49
